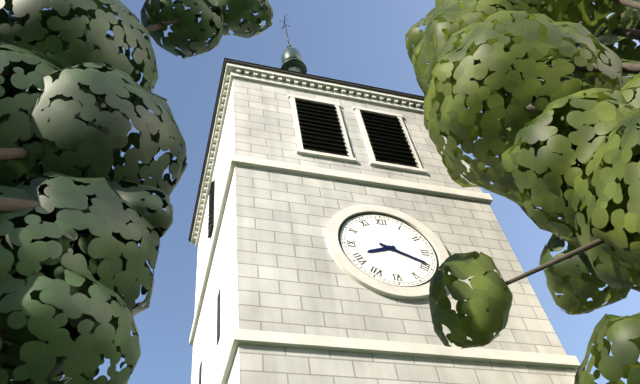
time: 8:19
